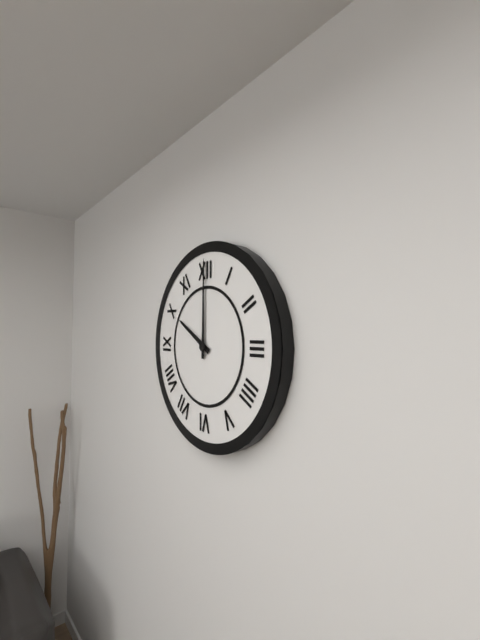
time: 10:00
